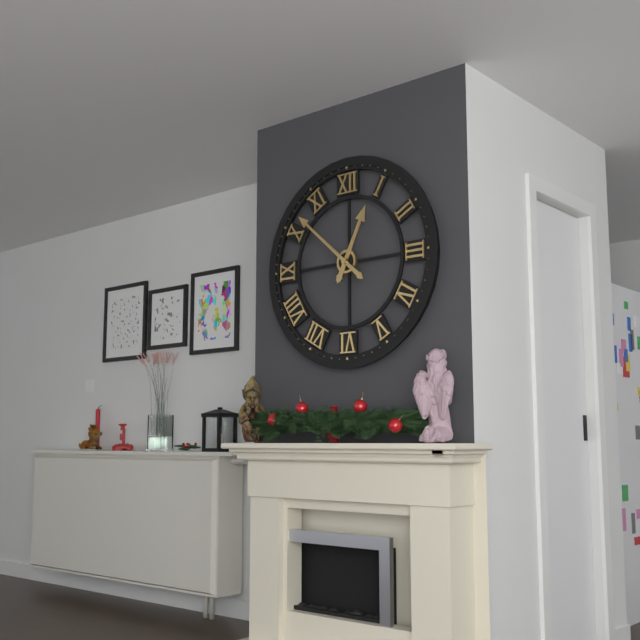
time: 12:52
